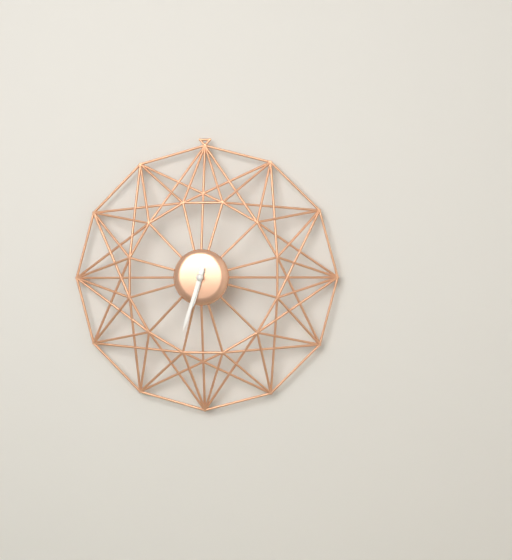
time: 6:33
